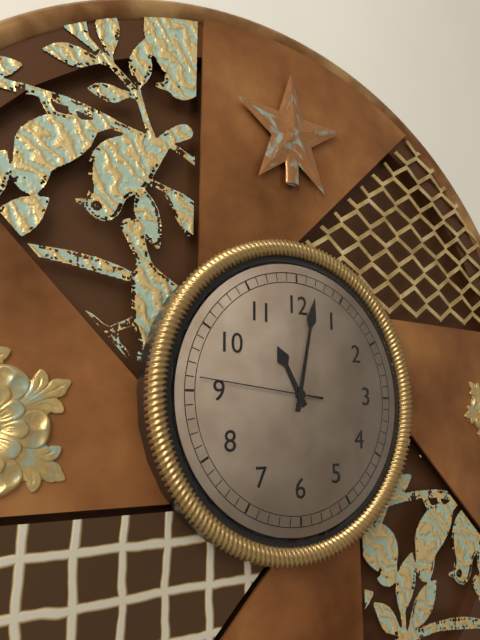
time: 11:02:46
